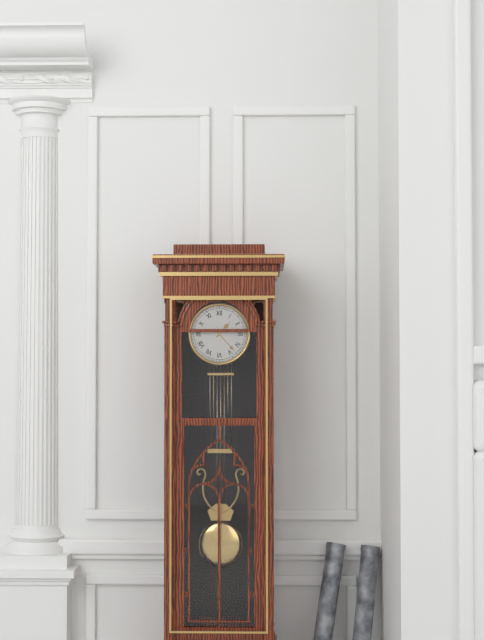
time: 1:23
